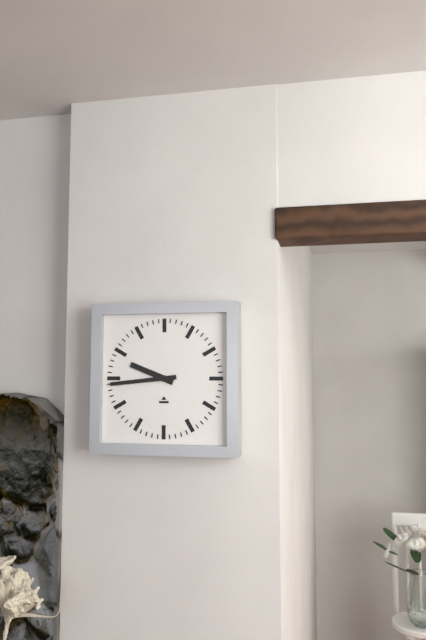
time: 9:44
